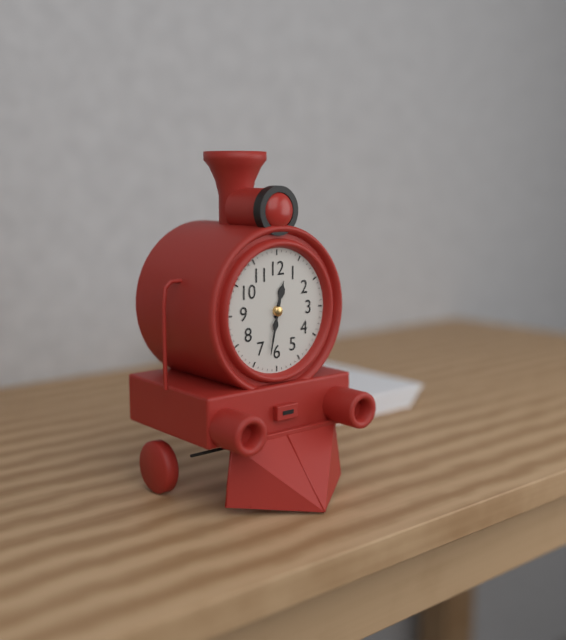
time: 12:32
